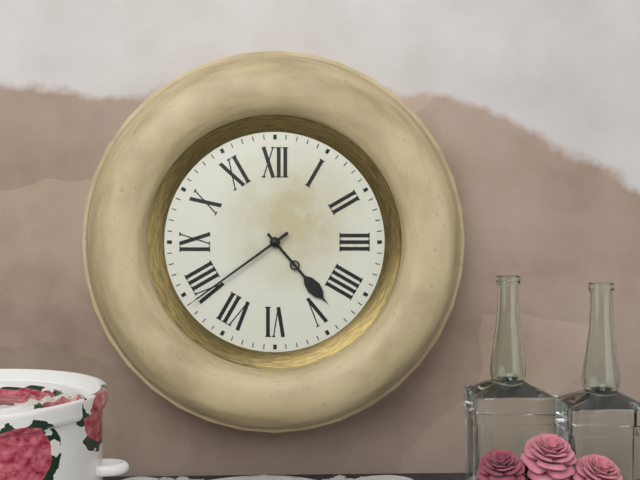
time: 4:39
